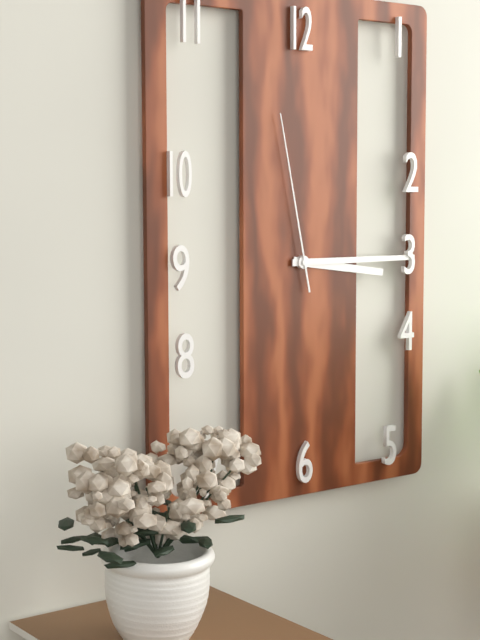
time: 3:15:58
